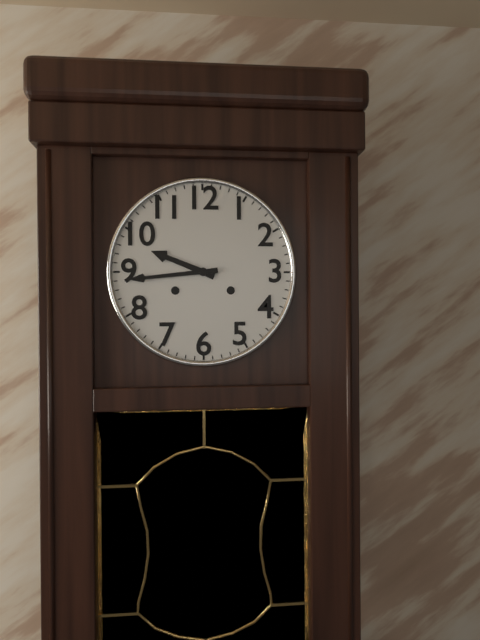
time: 9:44
